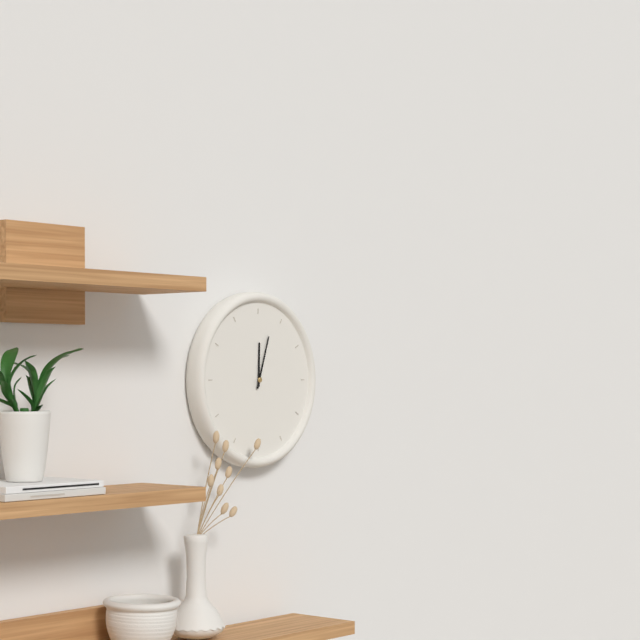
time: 12:03
